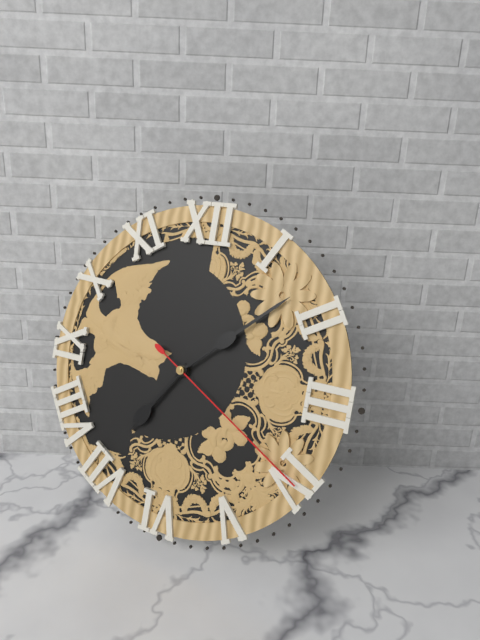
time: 7:08:20
